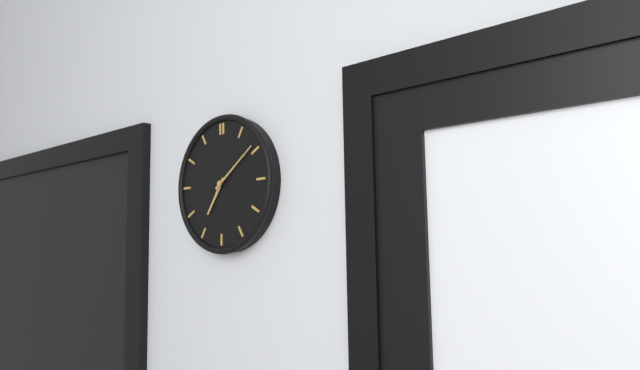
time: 7:09
